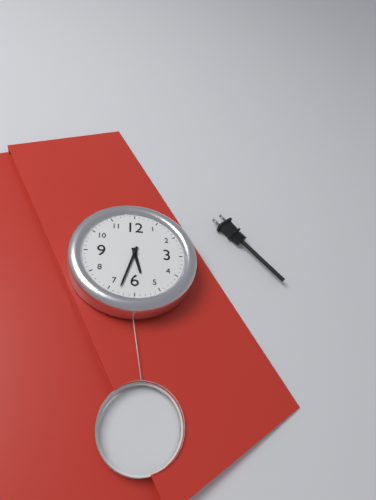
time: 5:33
